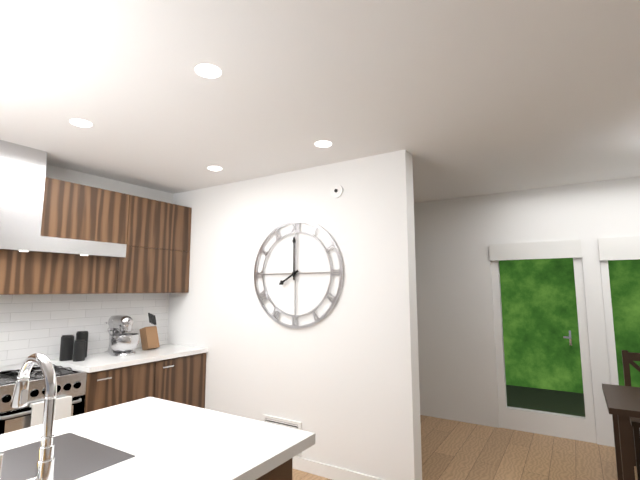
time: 8:00
